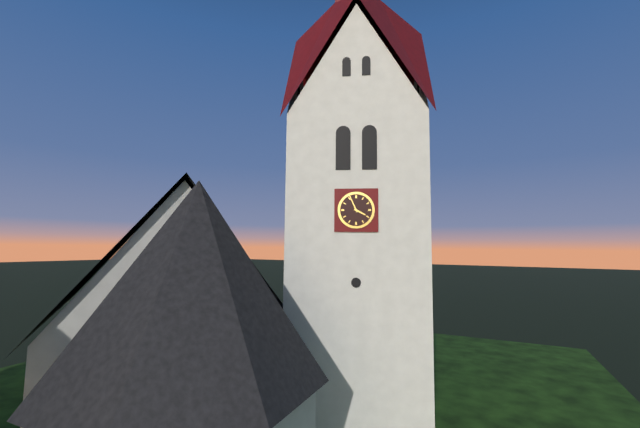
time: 3:56
